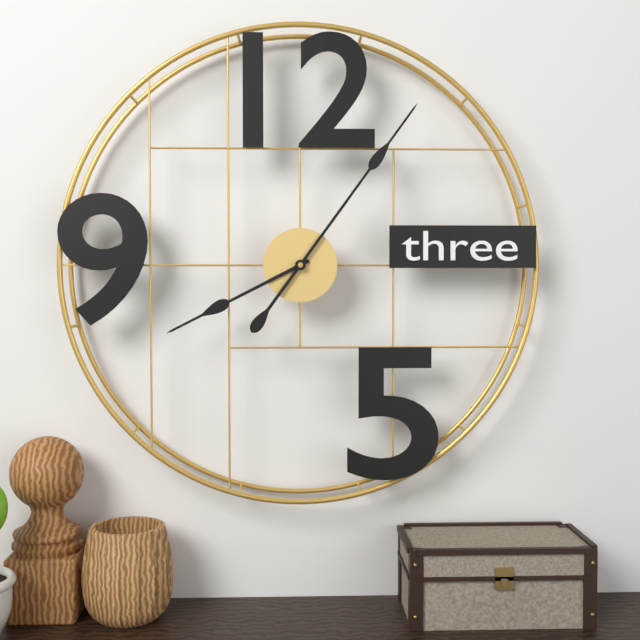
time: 8:06
